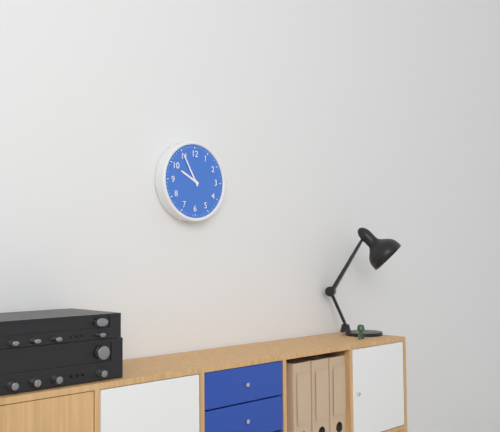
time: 9:55
